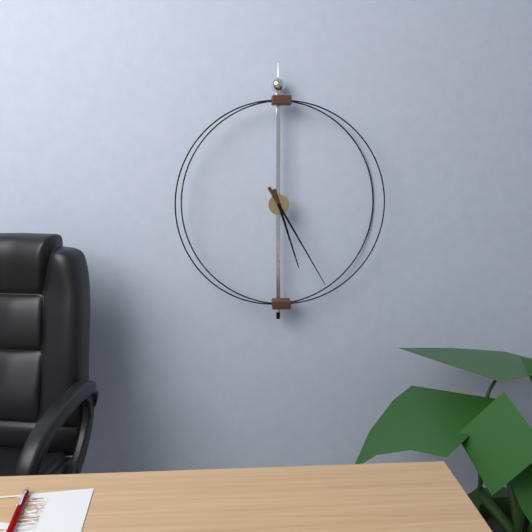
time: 5:25
